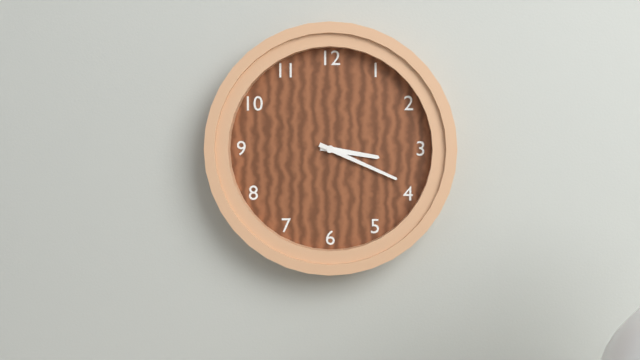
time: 3:19
